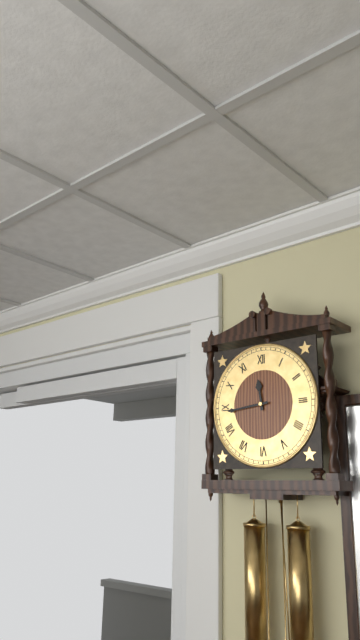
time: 11:44
